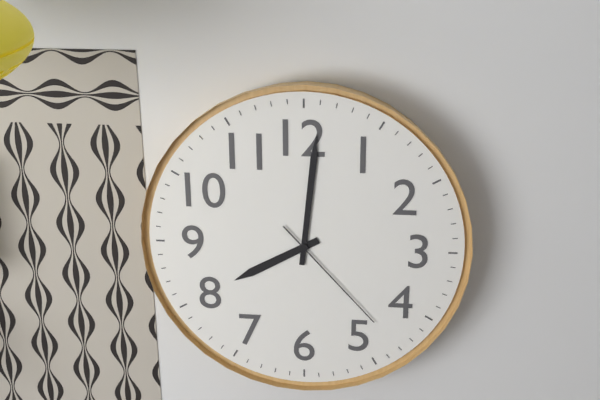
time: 8:01:23
